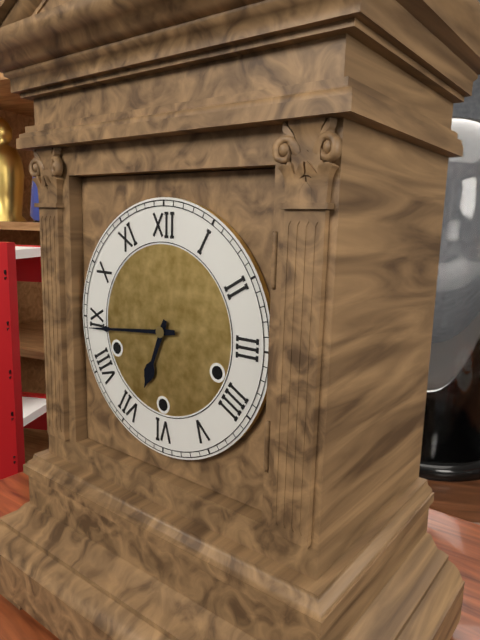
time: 6:44
